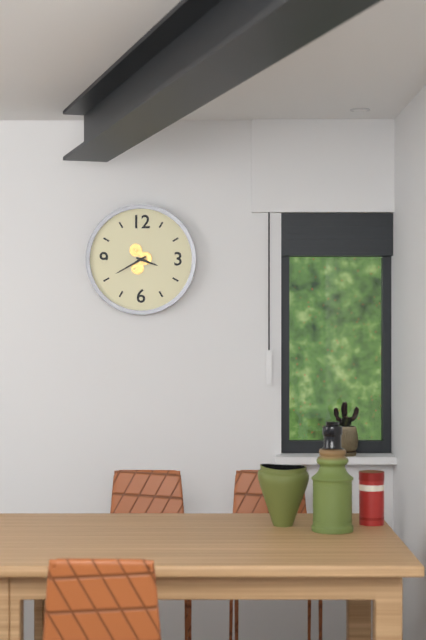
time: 3:40
